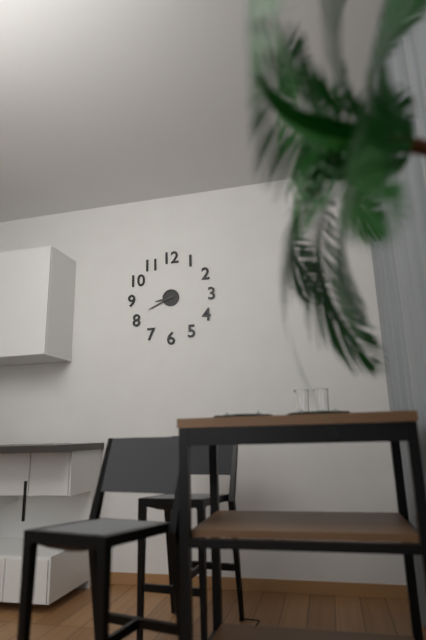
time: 8:41
